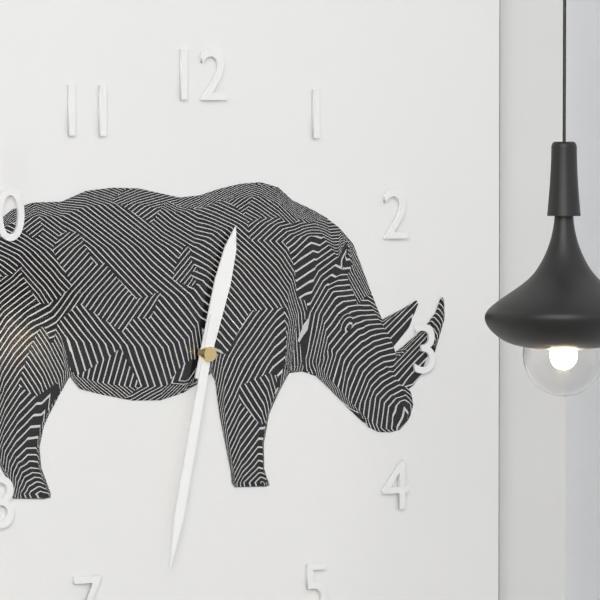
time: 12:32
